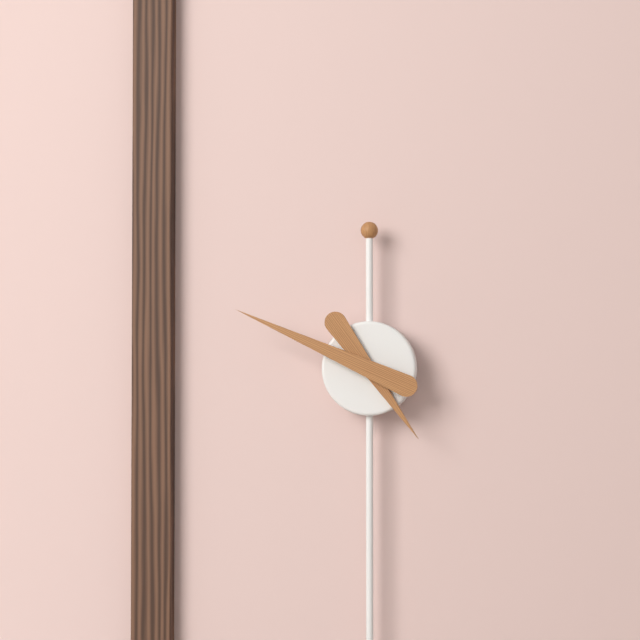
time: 4:49
